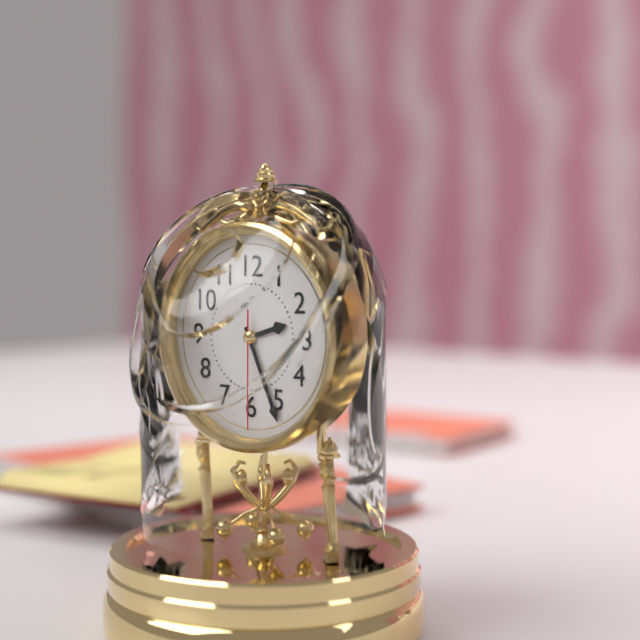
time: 2:26:30
